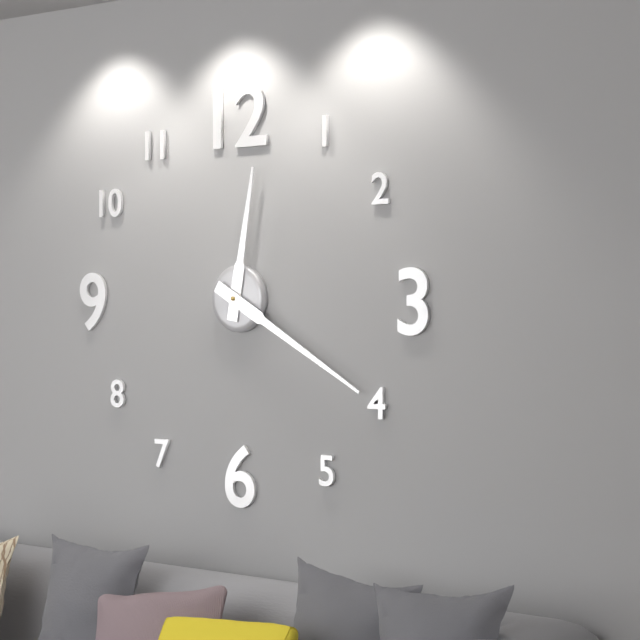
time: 12:20
